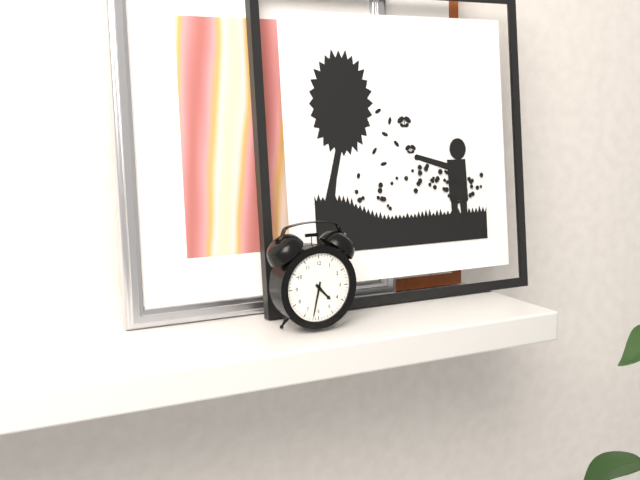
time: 4:32
